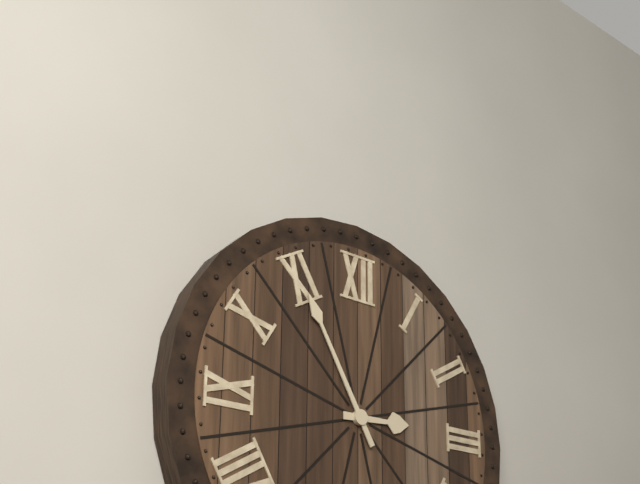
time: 2:55
